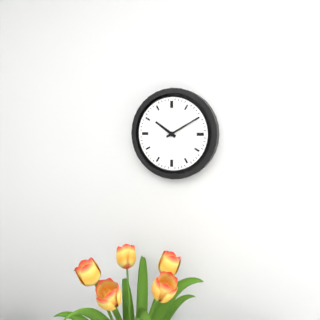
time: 10:10
